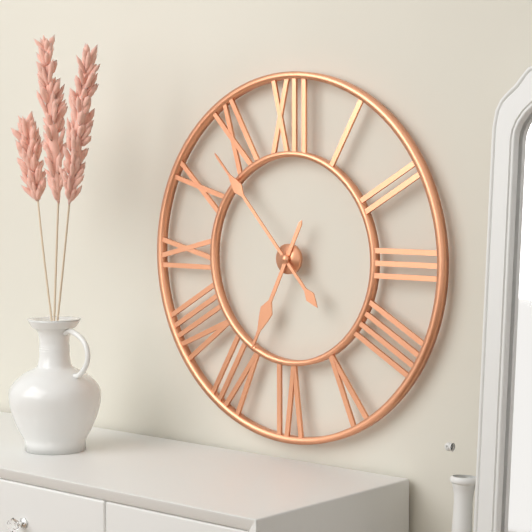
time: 6:53
